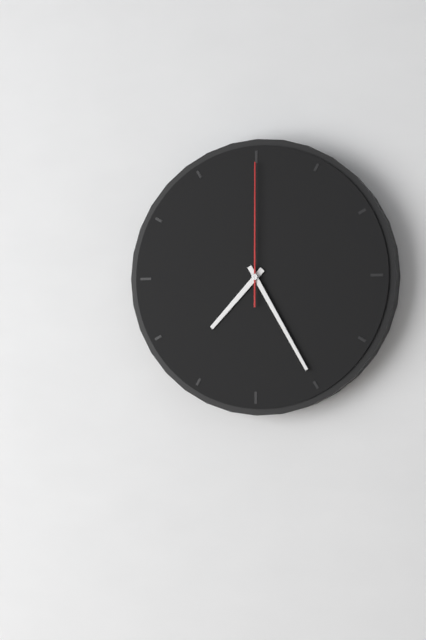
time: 7:25:00
